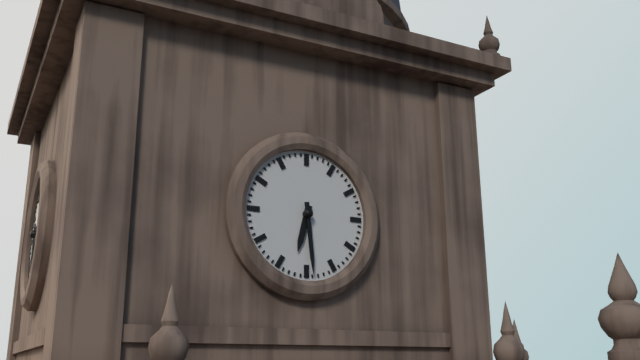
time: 6:29
